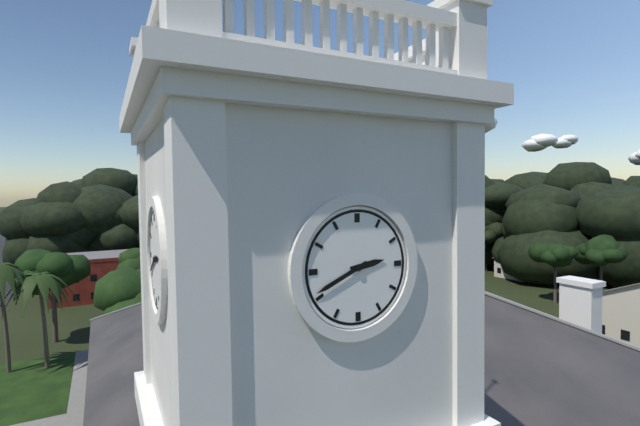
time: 2:41
